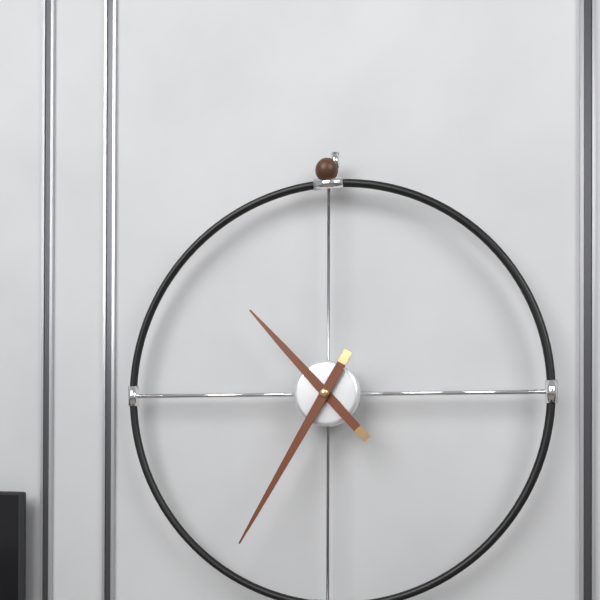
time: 10:35
